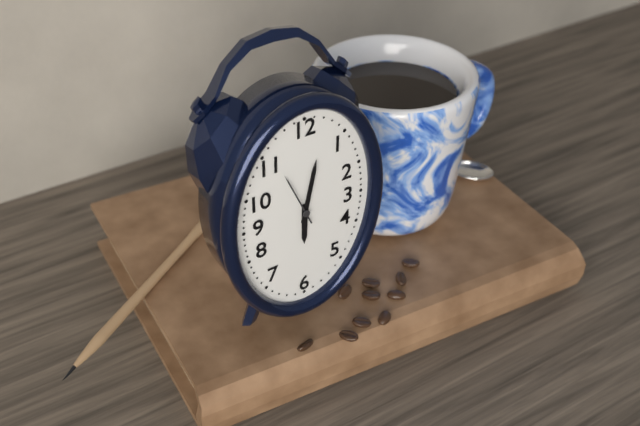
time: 6:02
